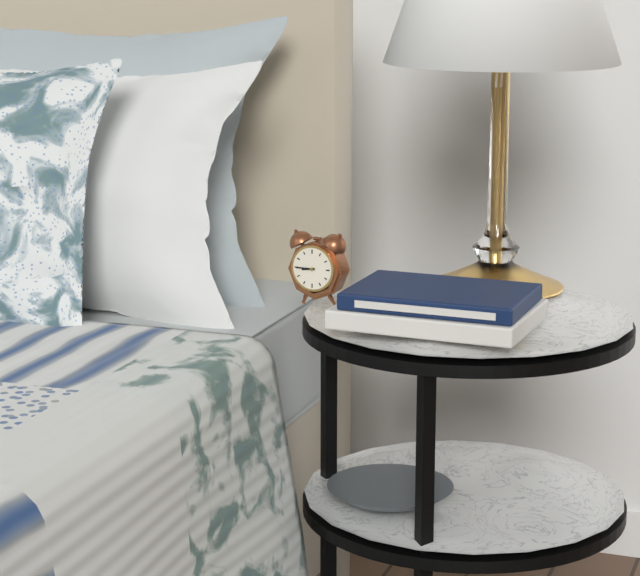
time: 8:45
